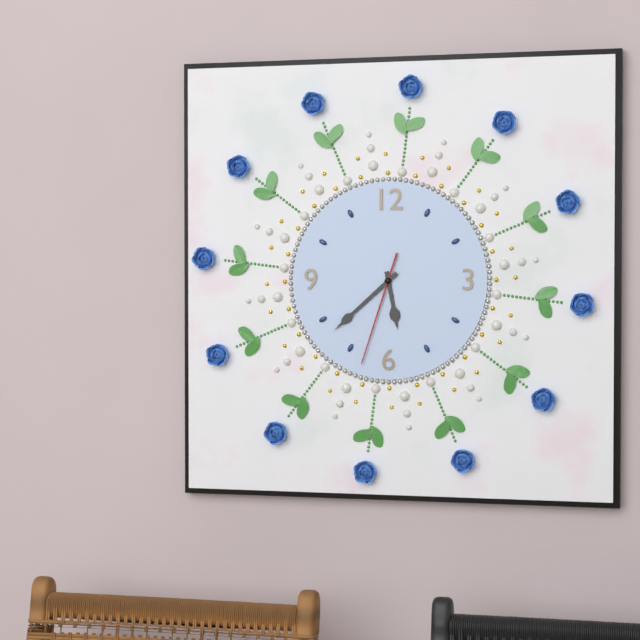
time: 5:38:33
